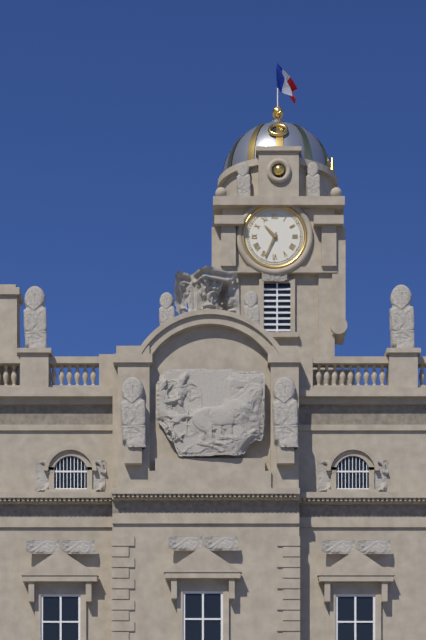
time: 10:34
